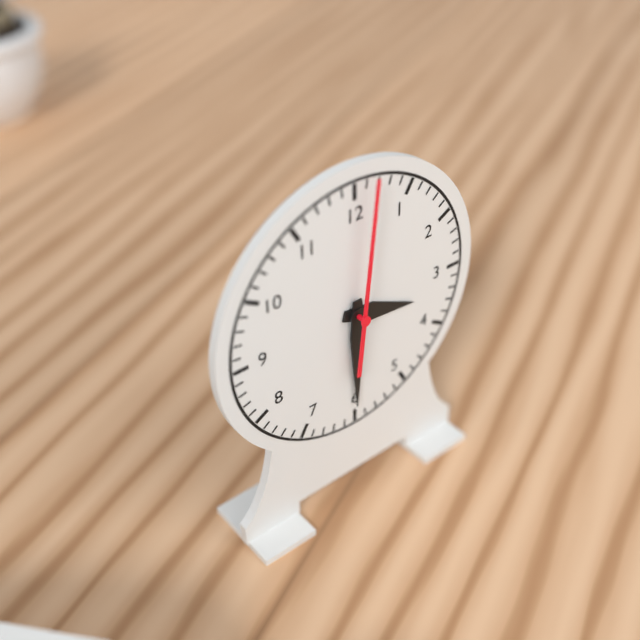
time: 3:30:01
